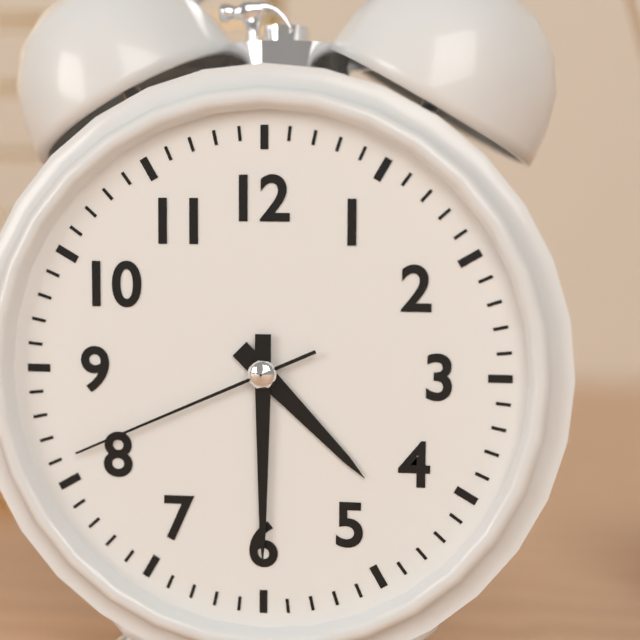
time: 4:30:41
